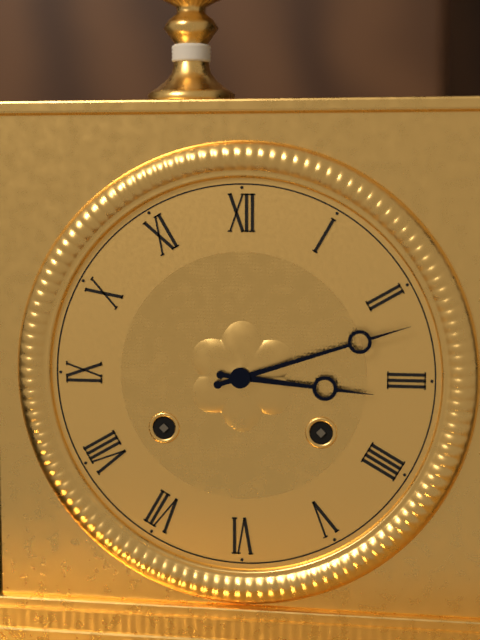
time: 3:12
